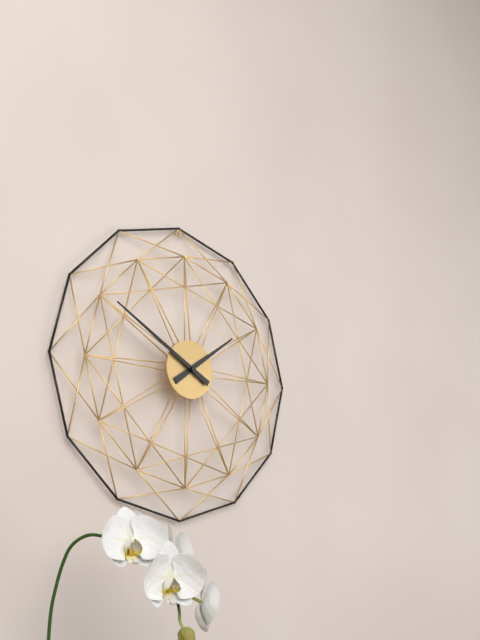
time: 1:50
